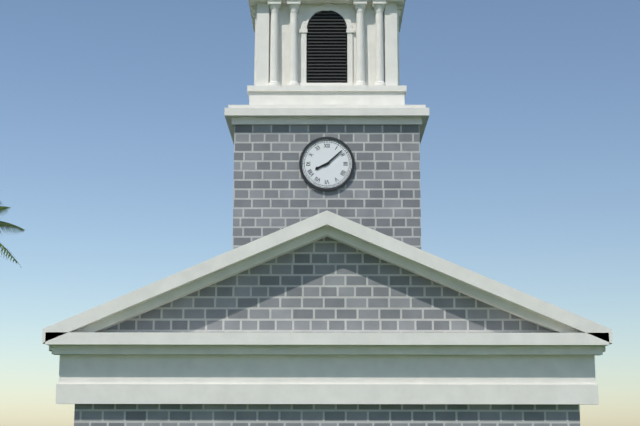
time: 8:08
